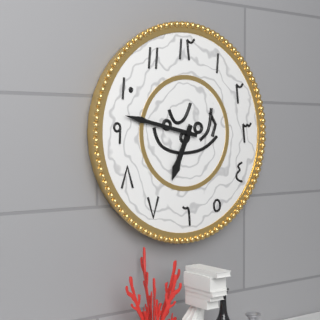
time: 6:47
